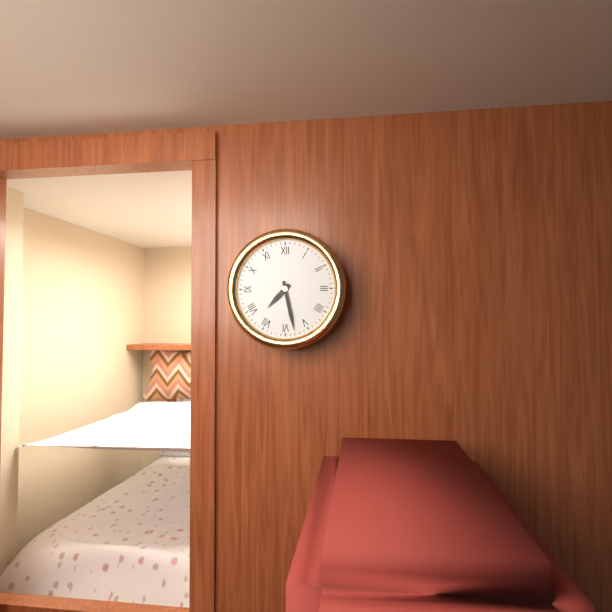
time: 7:28
